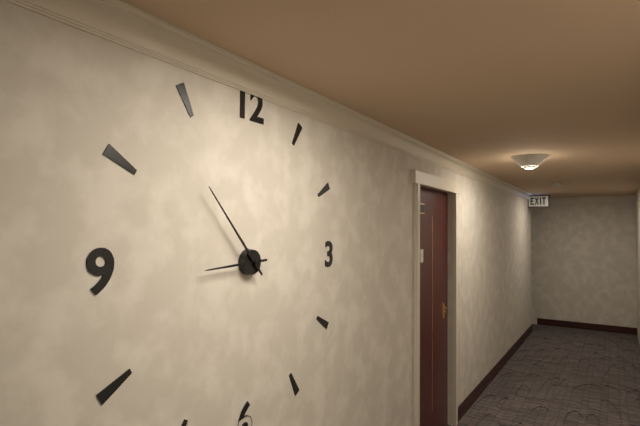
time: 8:53
